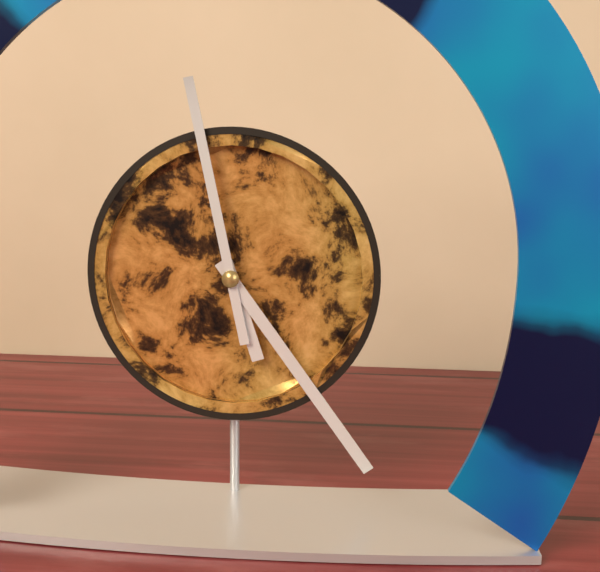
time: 5:24:58
